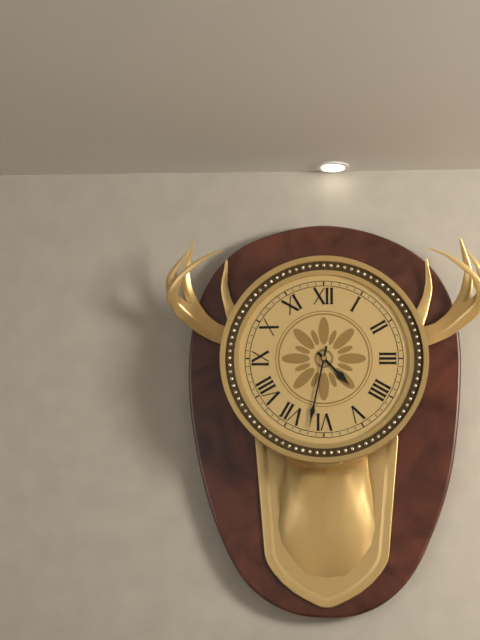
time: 4:32
